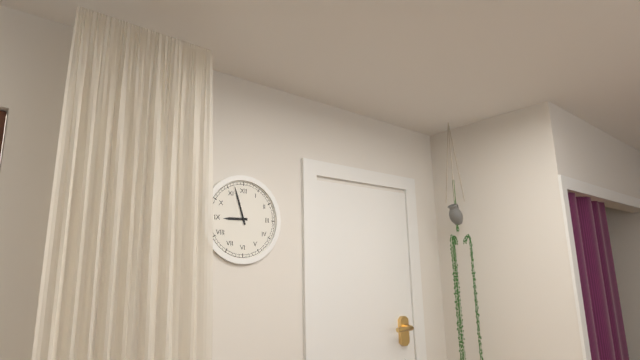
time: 8:57
